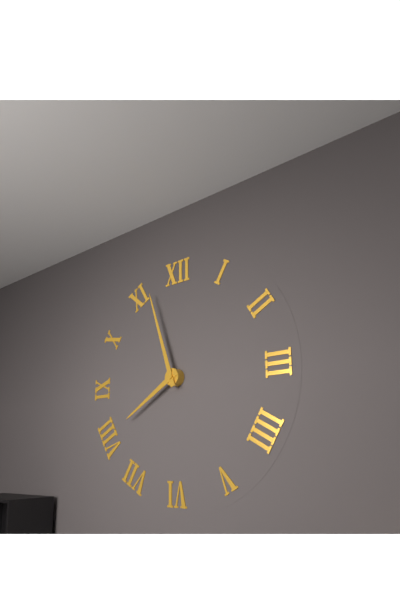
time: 7:57
